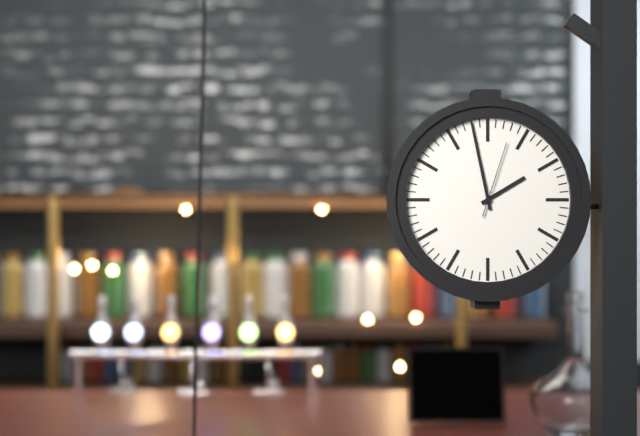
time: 1:58:03
